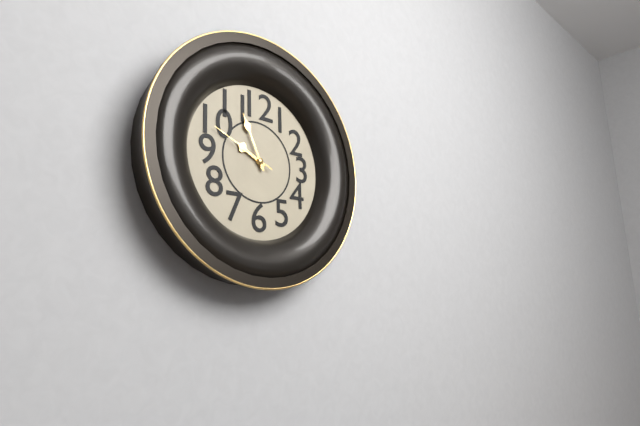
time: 9:56:49
